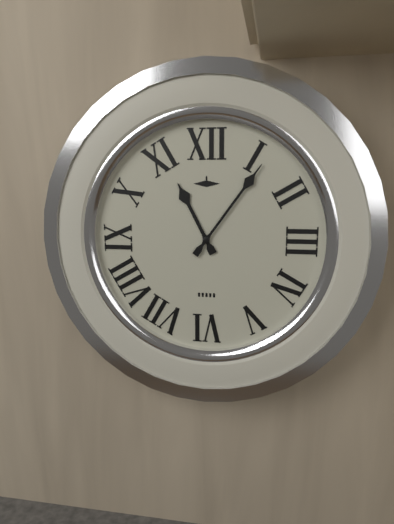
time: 11:06
